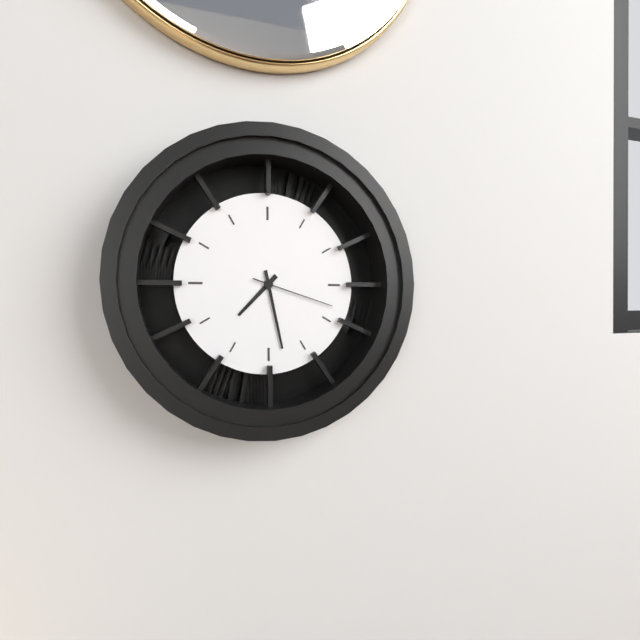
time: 7:28:18
